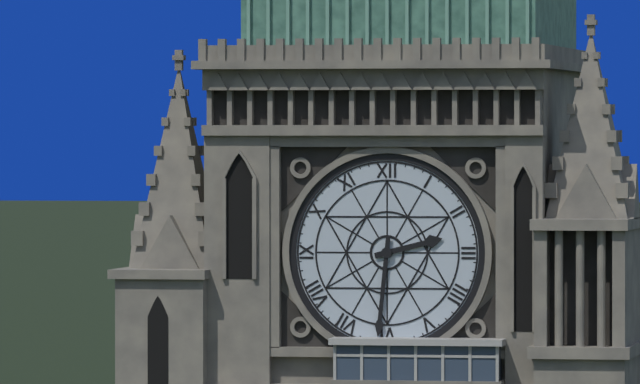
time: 2:31
